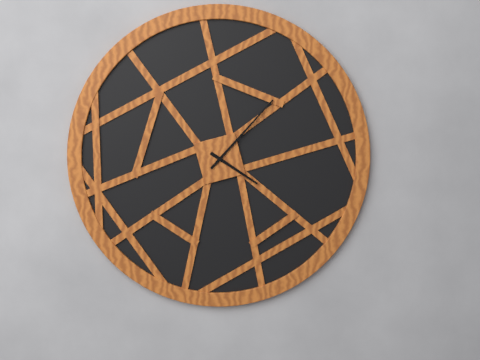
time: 4:07
